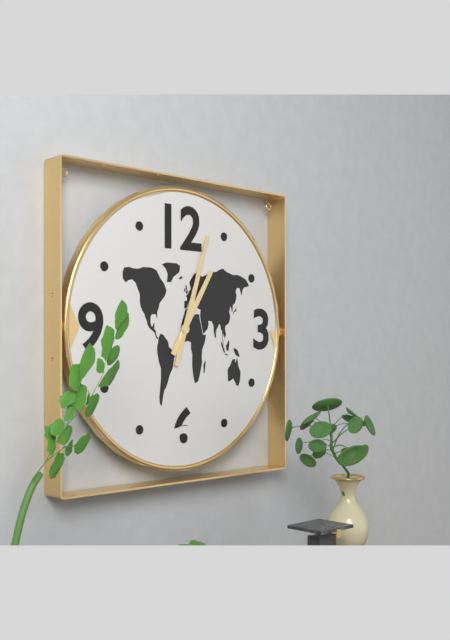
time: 1:03
